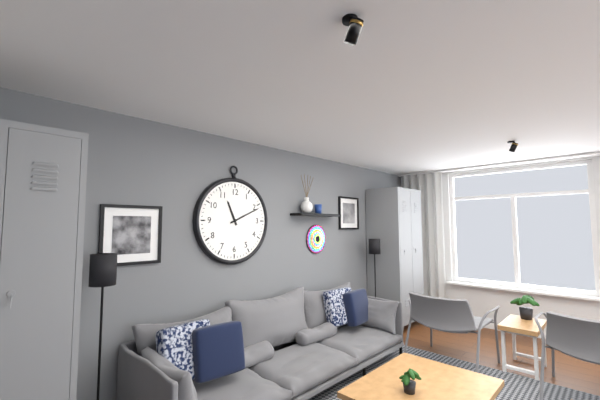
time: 11:11
